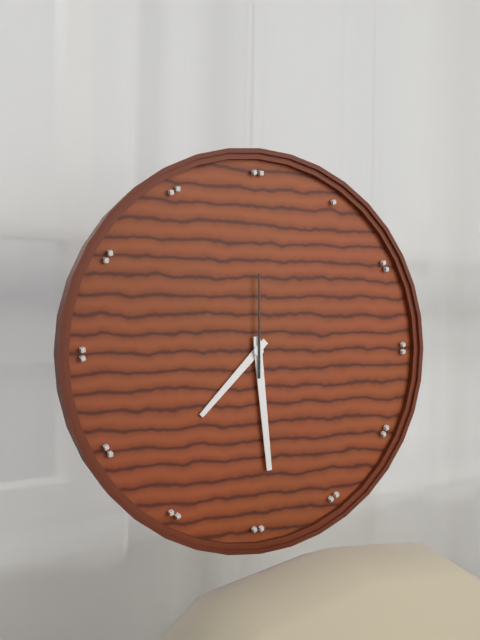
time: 7:29:00
